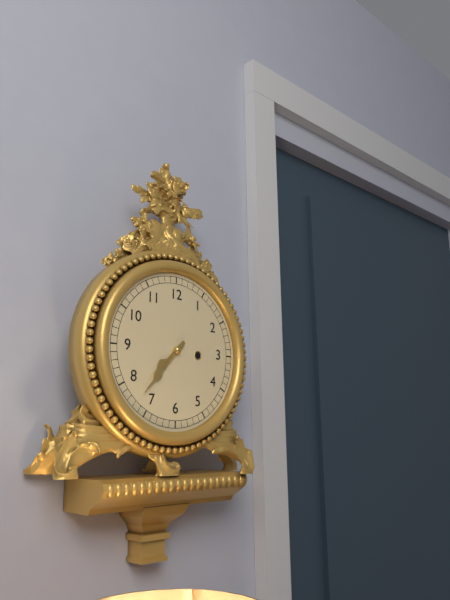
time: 7:37
